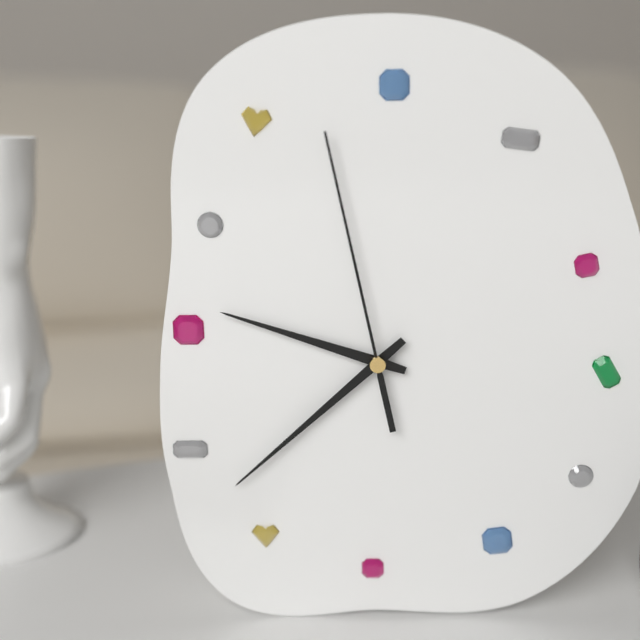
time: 9:38:58
